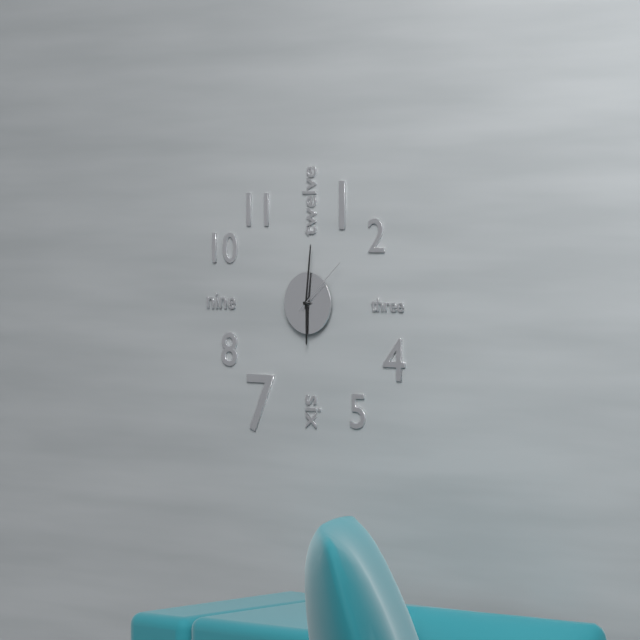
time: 6:01:08
